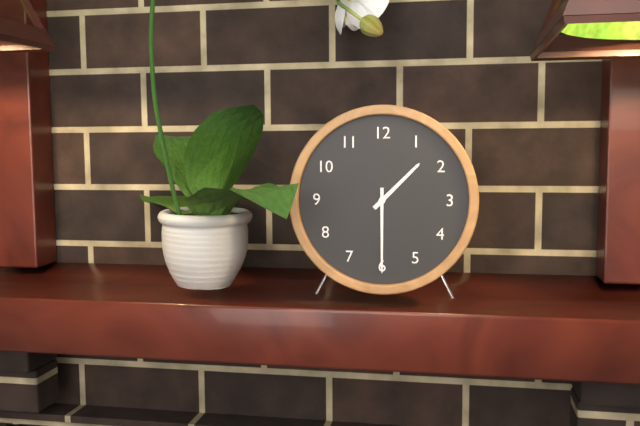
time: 1:30
